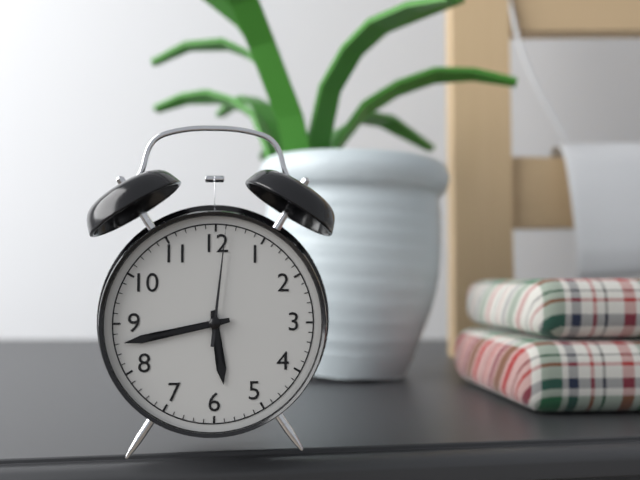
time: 5:43:01
